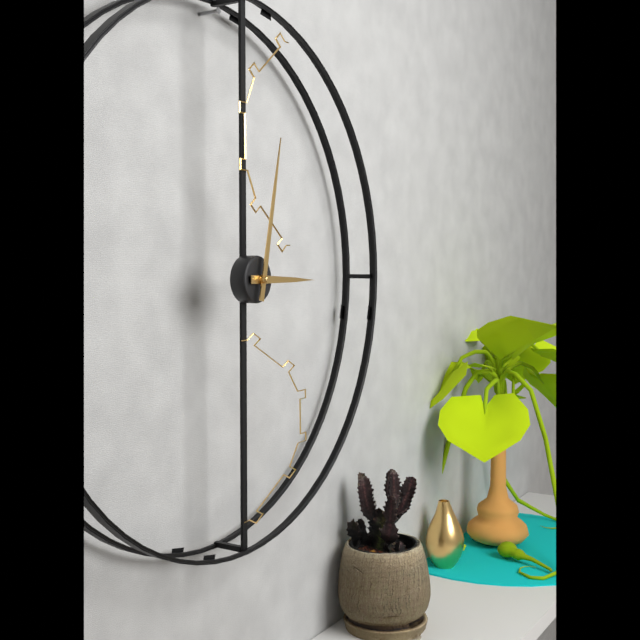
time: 3:02
